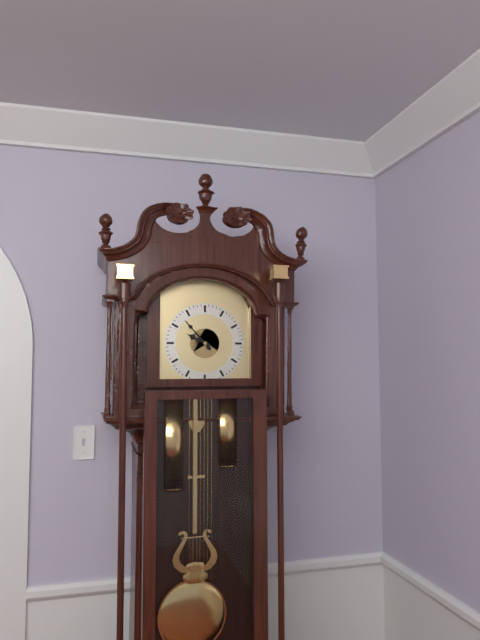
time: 9:53
